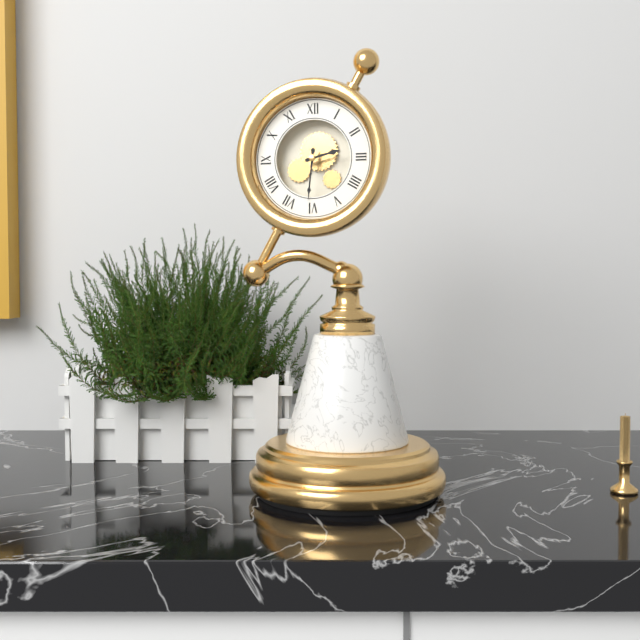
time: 2:31
